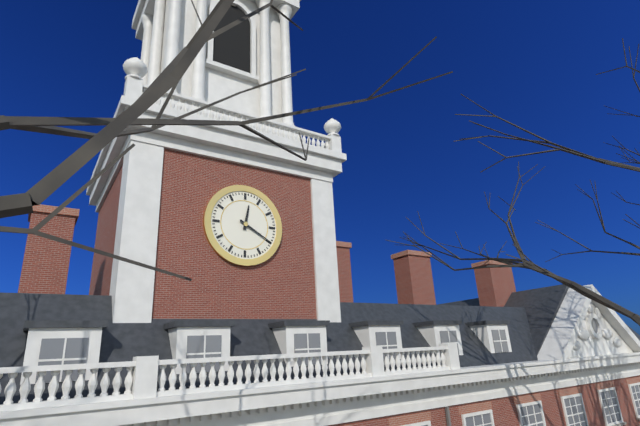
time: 12:20
